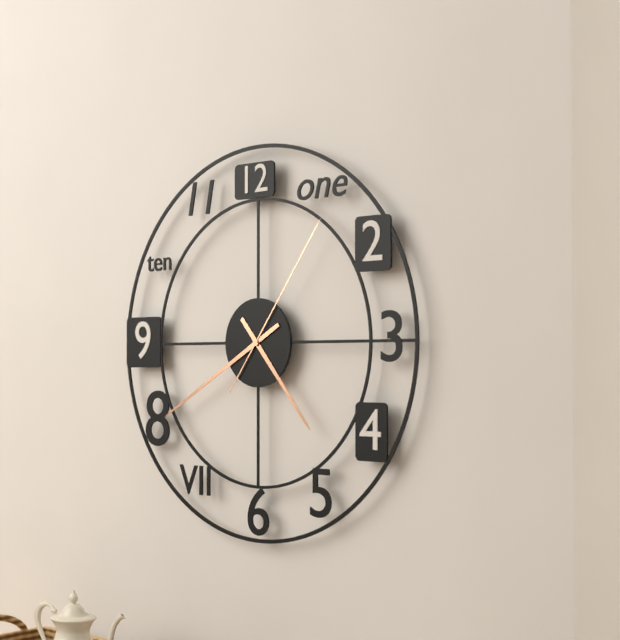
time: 4:40:06
